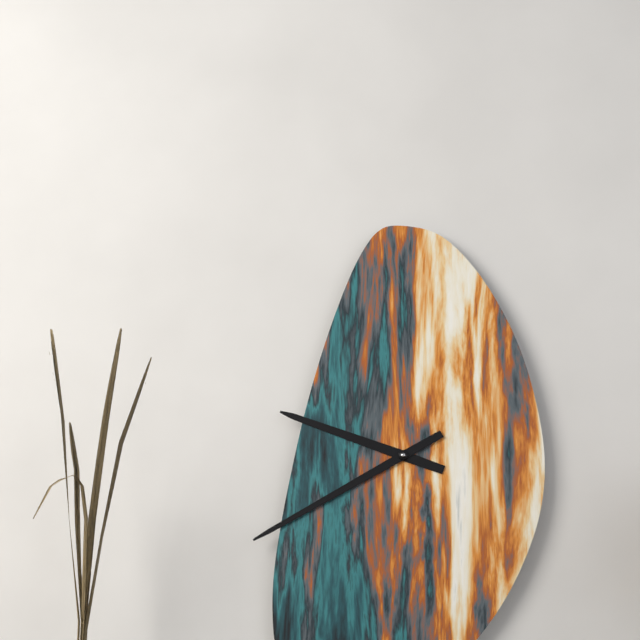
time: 9:40
